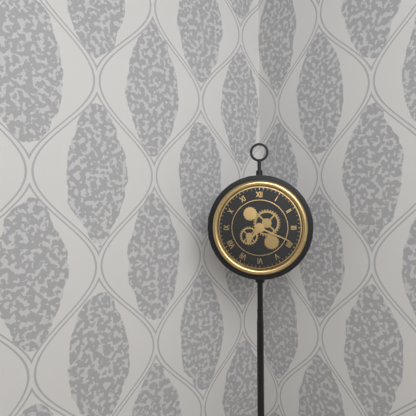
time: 7:19
